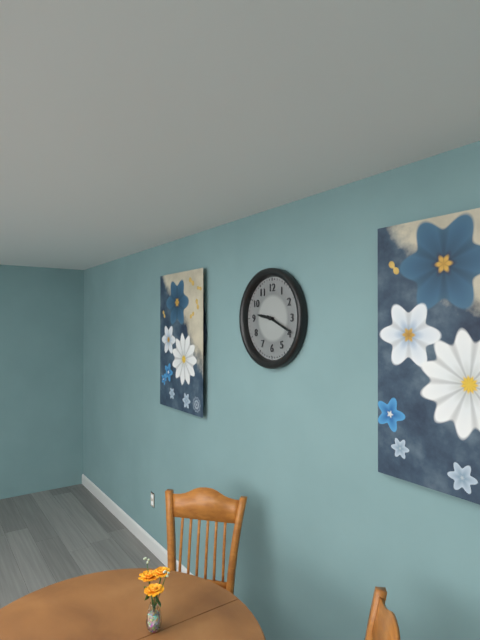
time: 9:19
